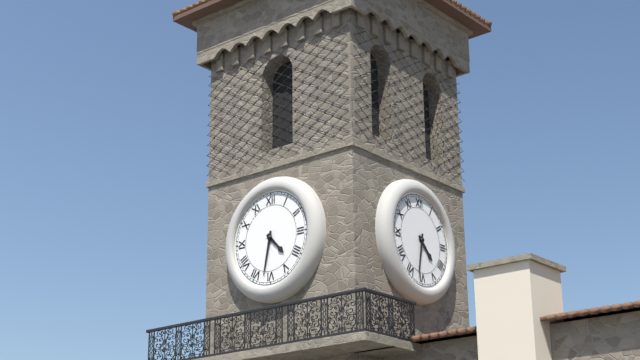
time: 4:32
